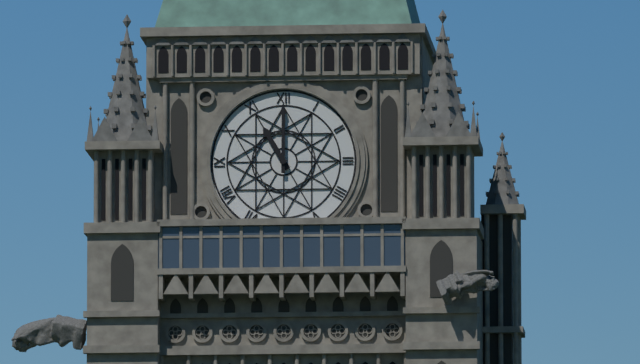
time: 11:00
